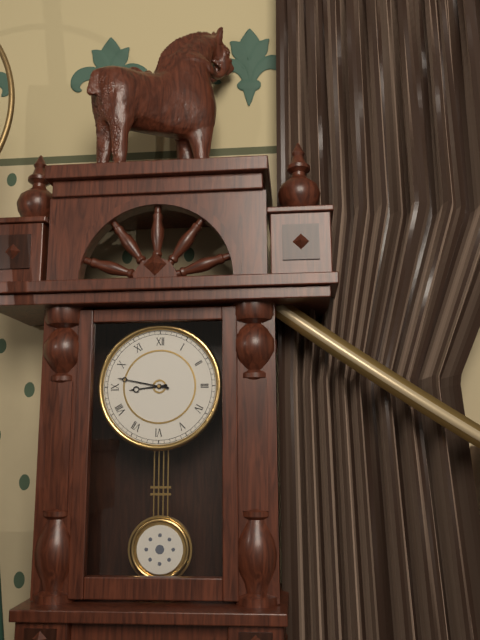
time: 8:47
